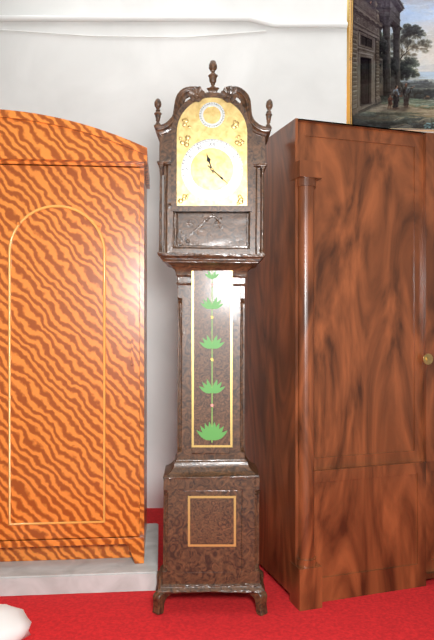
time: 11:22
